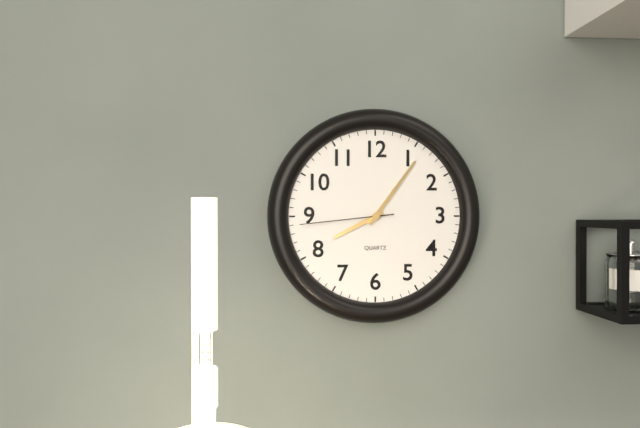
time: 8:06:44
